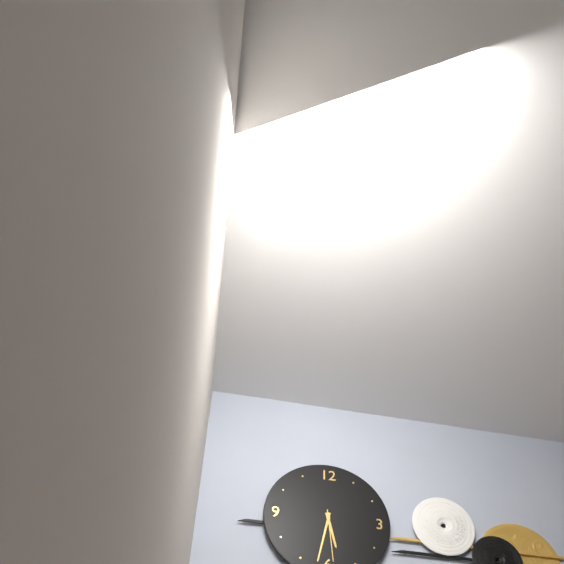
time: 5:32:29
